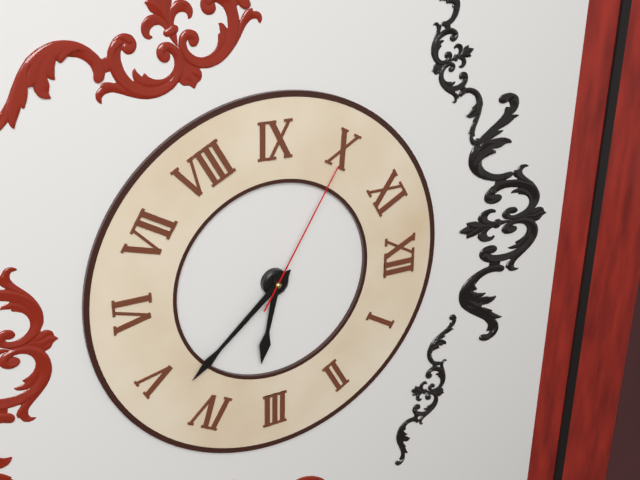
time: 3:23:50
